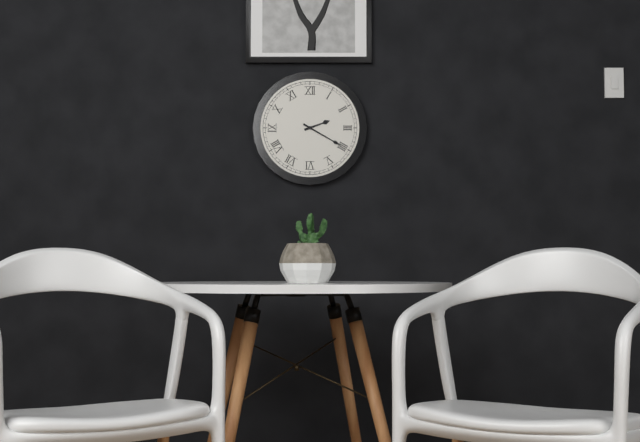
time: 2:20
